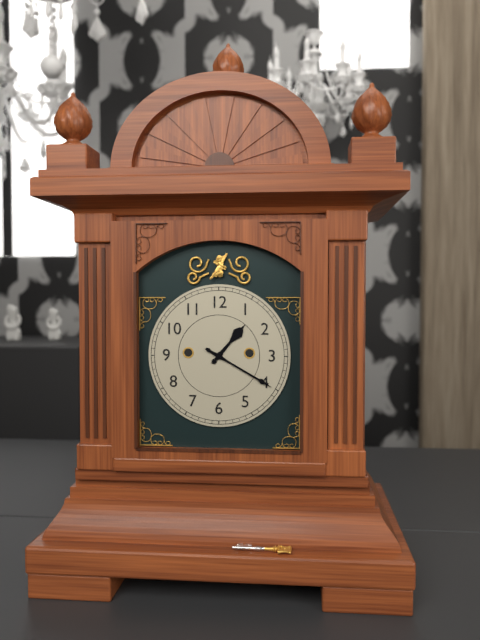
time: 1:20
